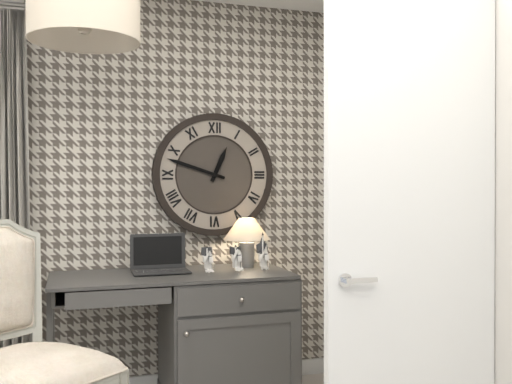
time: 12:48
